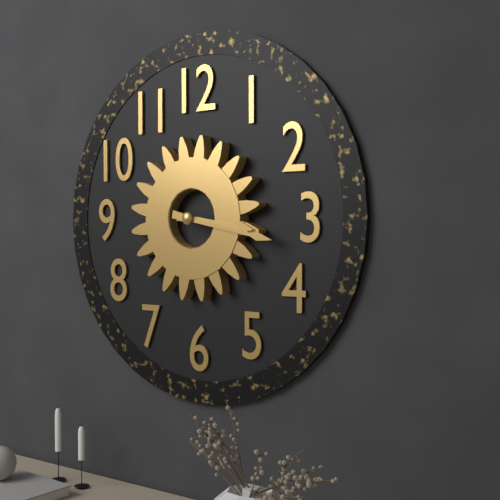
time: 3:17
